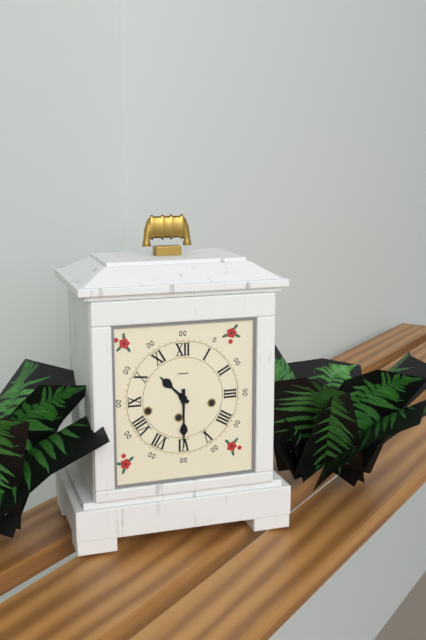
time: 10:30
